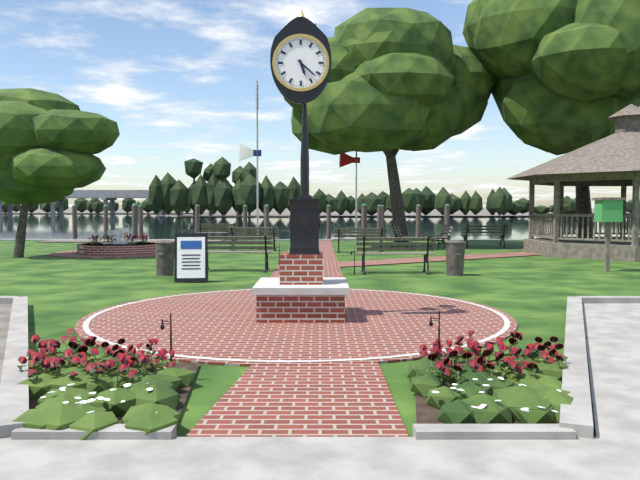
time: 5:22
